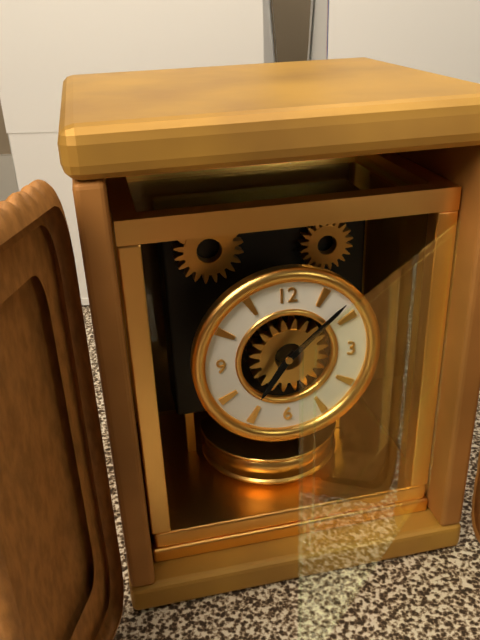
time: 7:08
